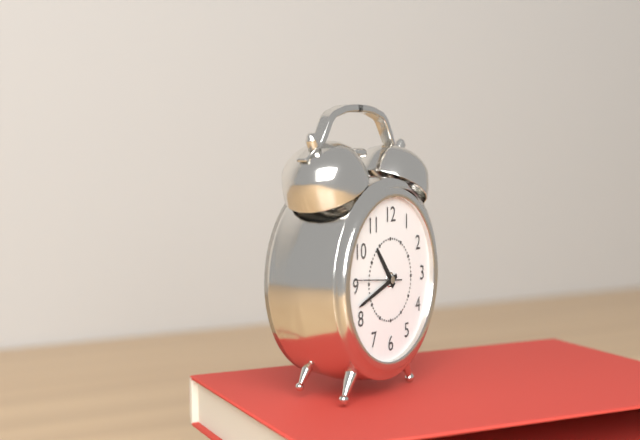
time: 10:42
